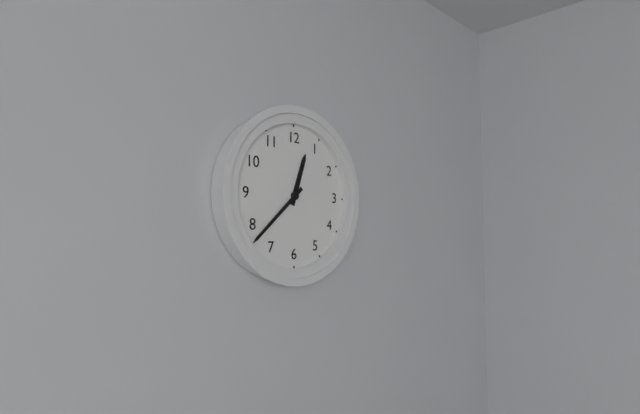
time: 12:38
